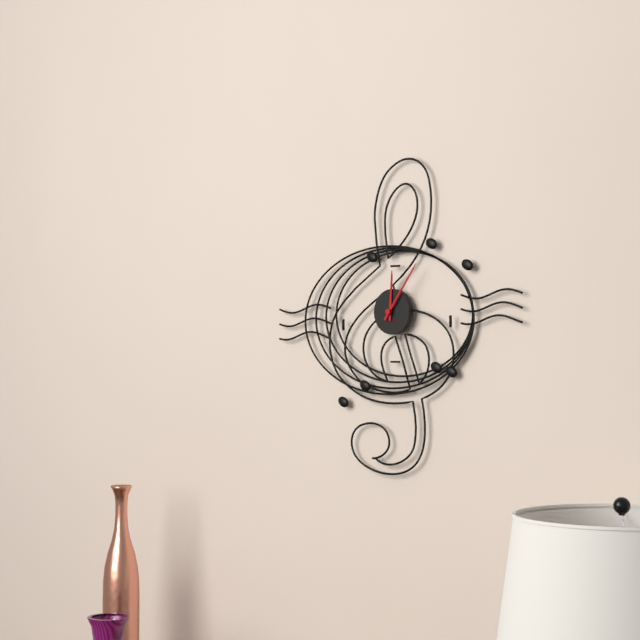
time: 12:06
